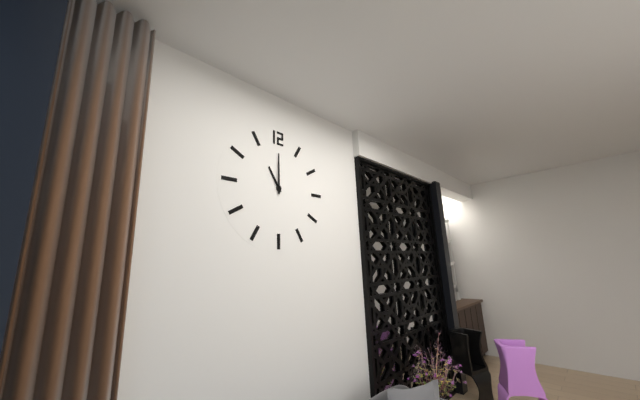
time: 11:00
